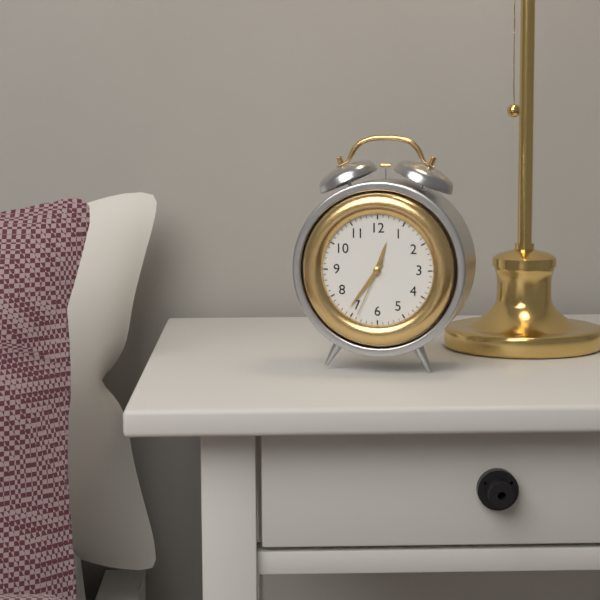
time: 12:36:34
